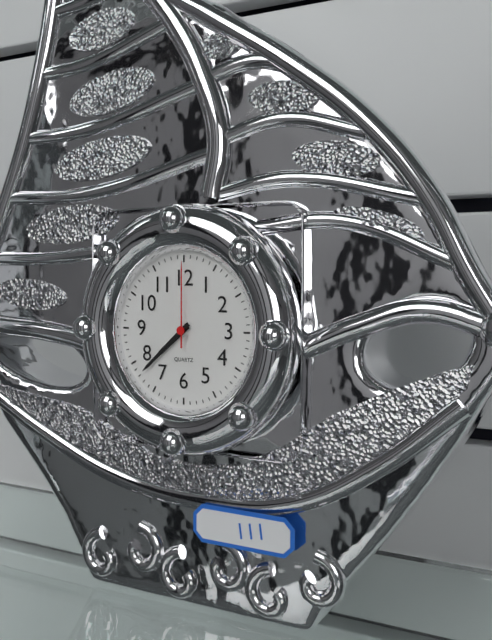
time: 7:38:00
